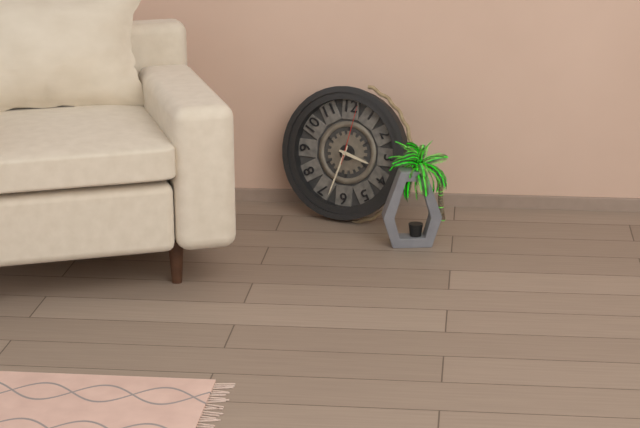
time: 3:33:02
